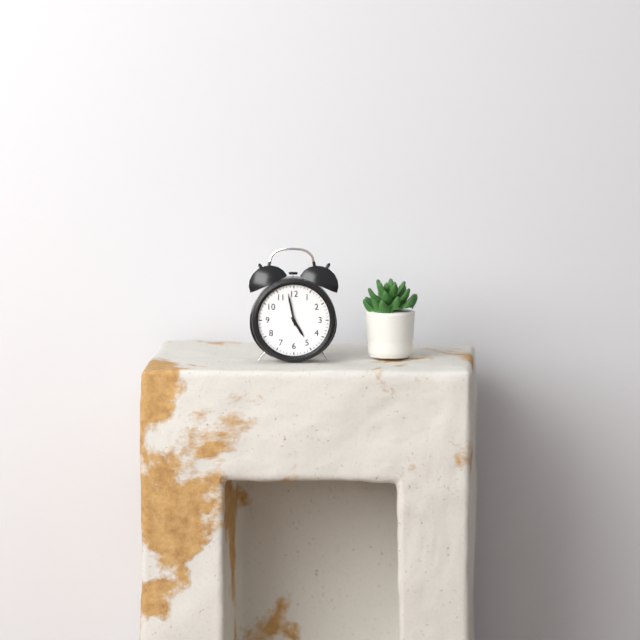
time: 4:58
